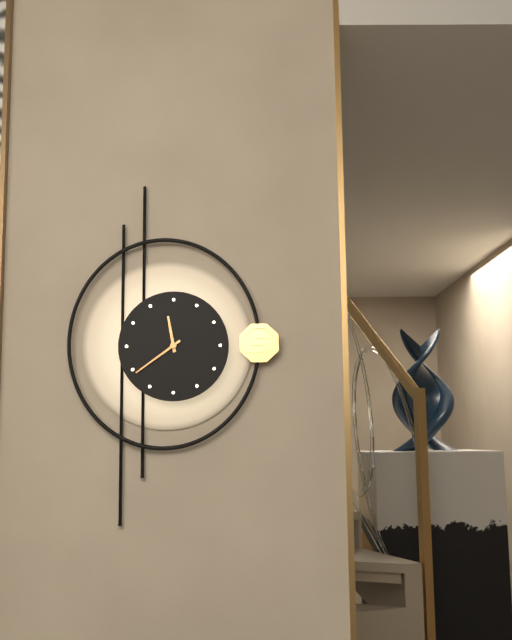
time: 11:39
